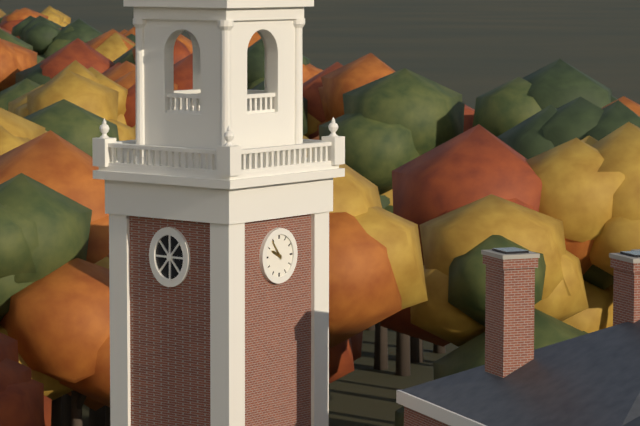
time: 9:54
